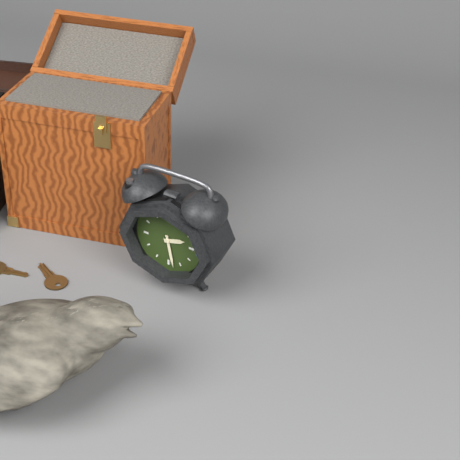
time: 2:28
